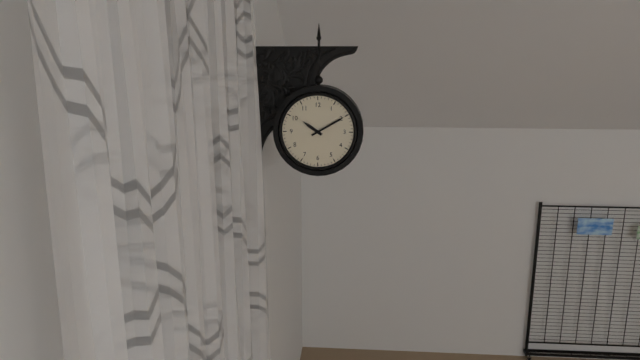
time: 10:10
